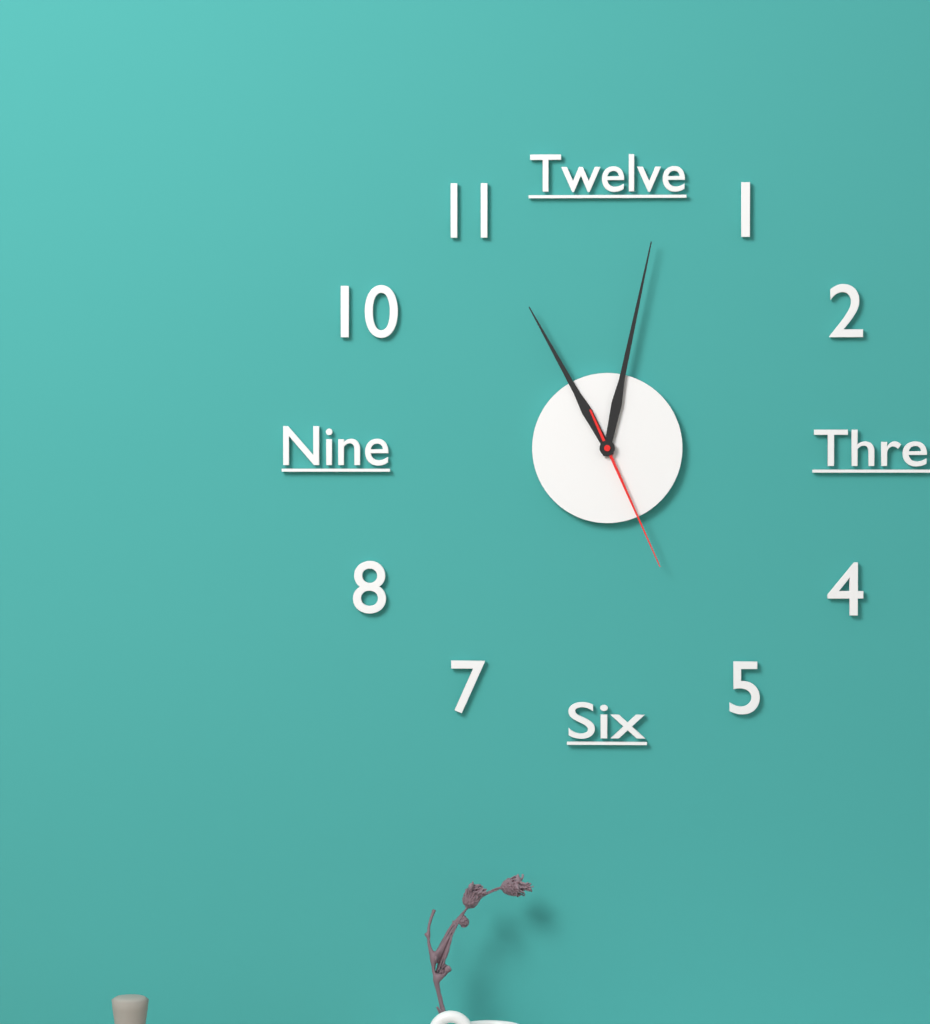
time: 11:02:26
